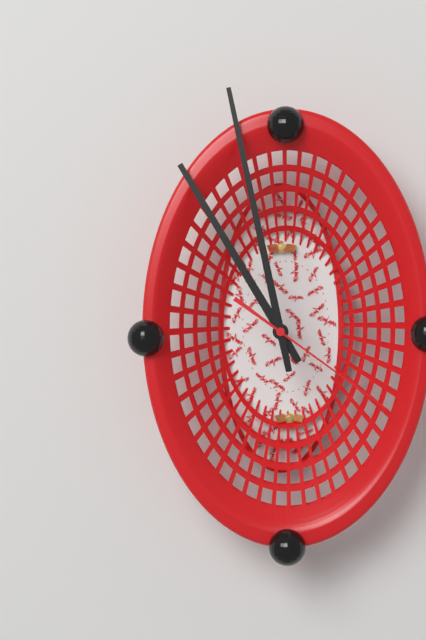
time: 10:58:21
